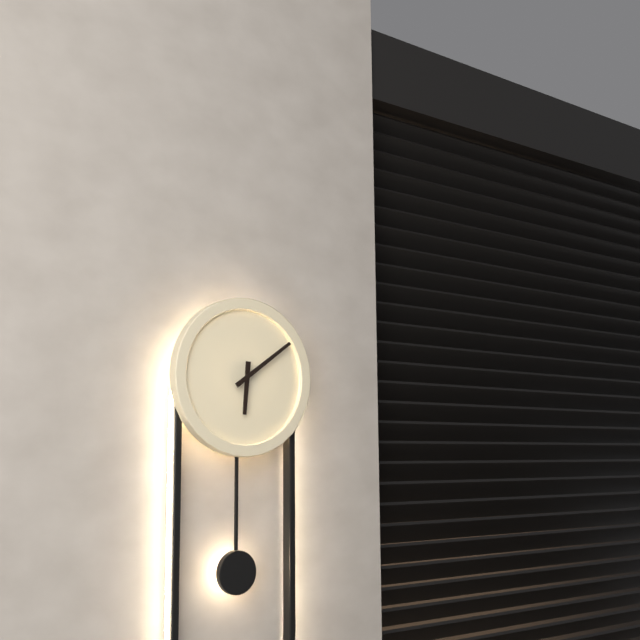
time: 6:09
